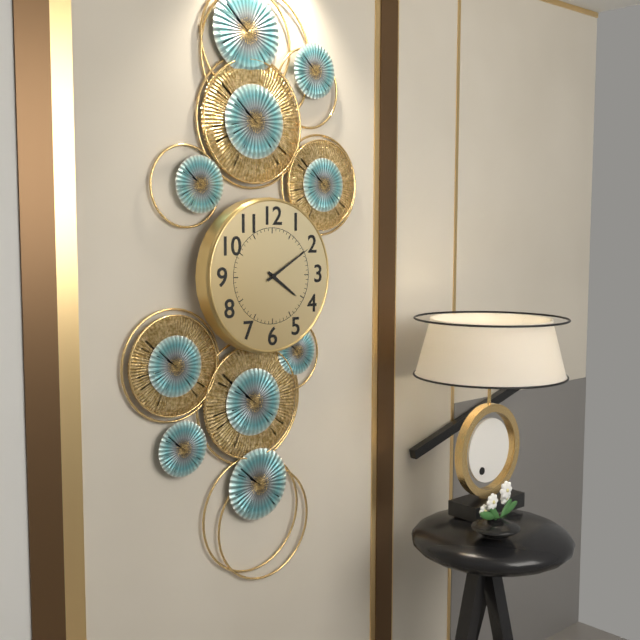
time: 4:10
